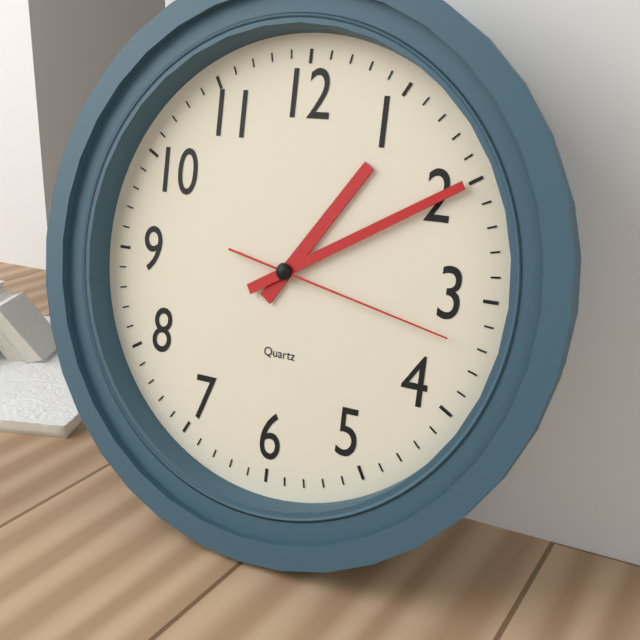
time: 1:10:17
